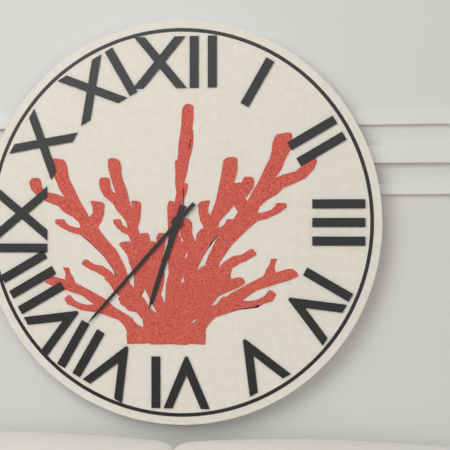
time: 6:37
